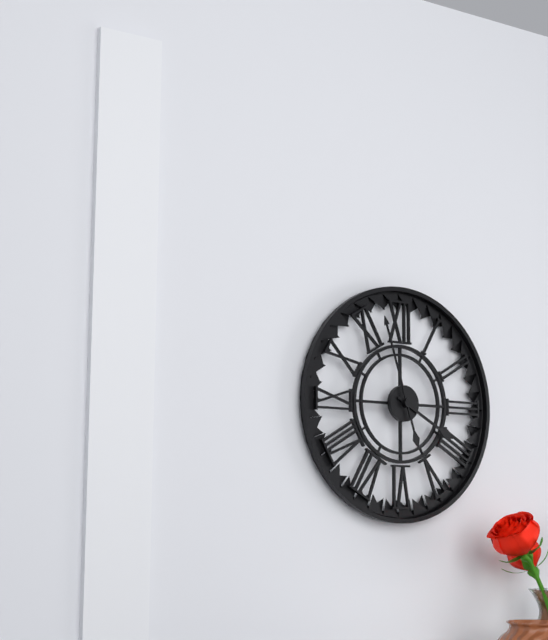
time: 3:57
